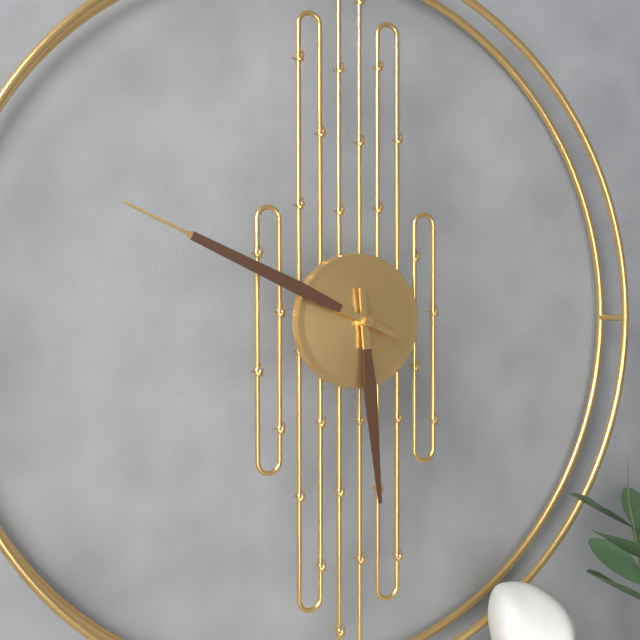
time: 5:49
